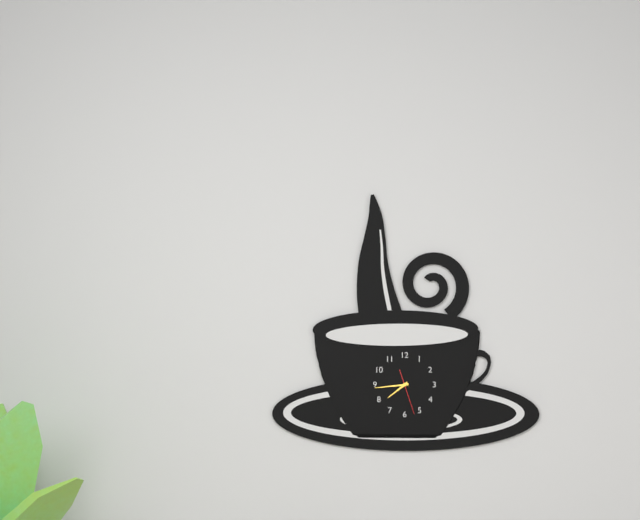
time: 7:44
